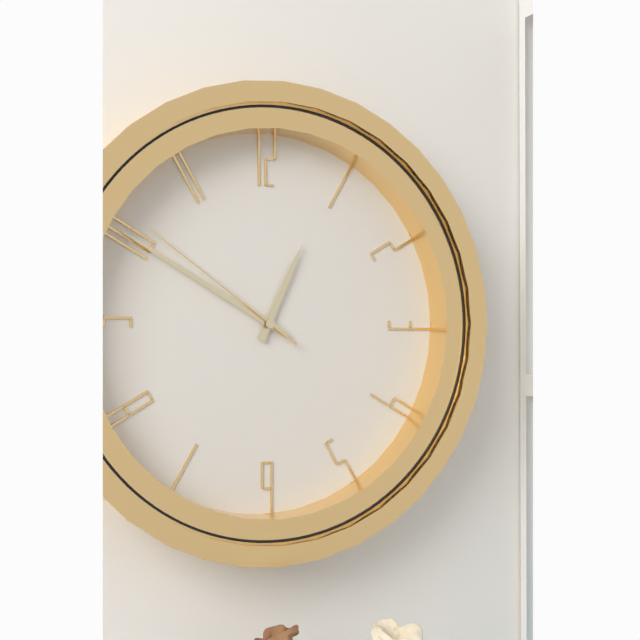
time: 12:50:51
